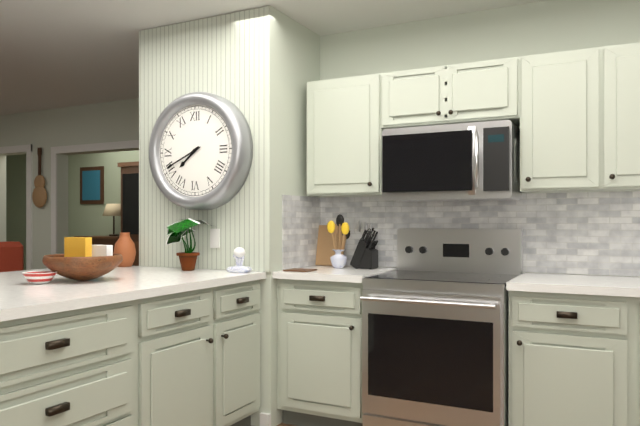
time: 7:41
